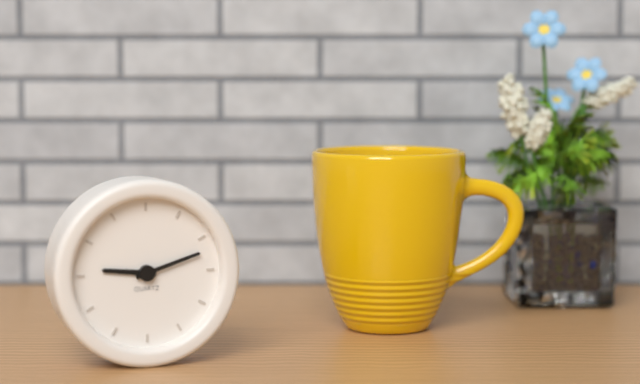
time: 9:12
